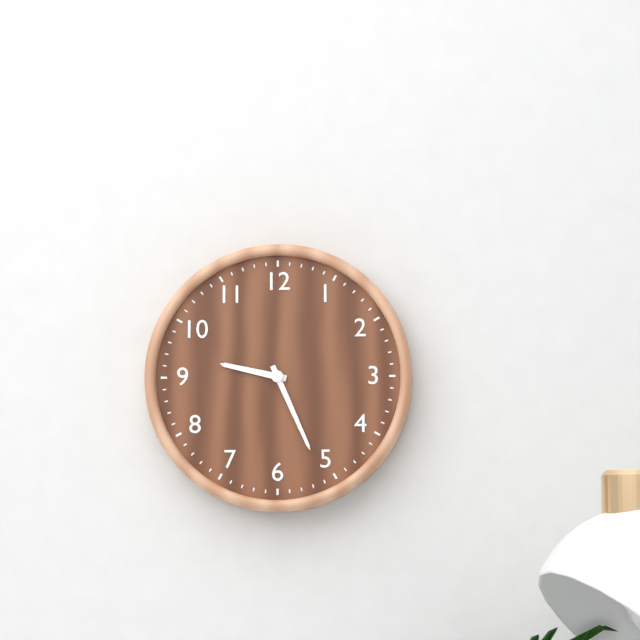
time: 9:26
